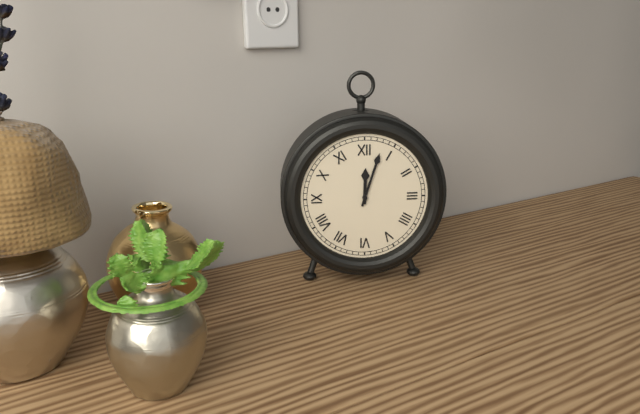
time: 12:03
